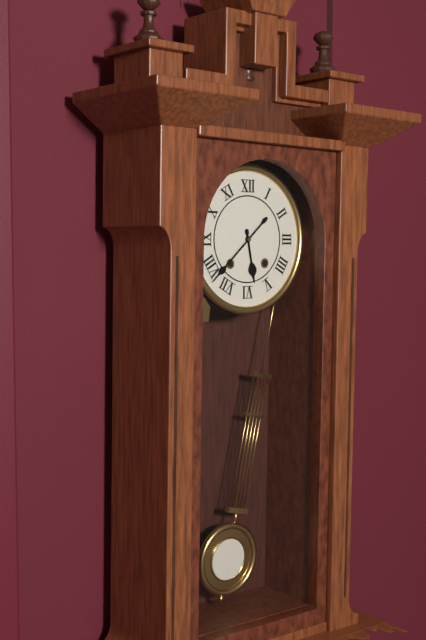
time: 5:38
